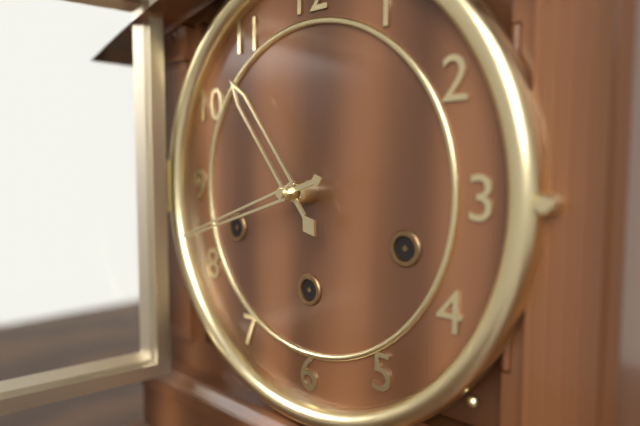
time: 10:42
